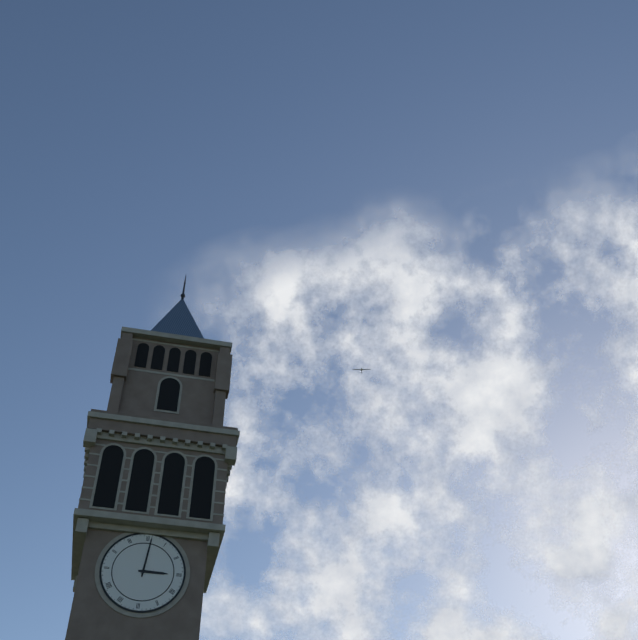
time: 3:01
